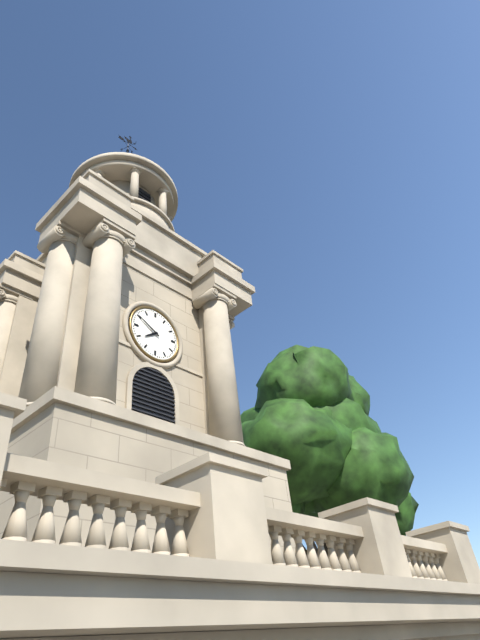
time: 7:50
